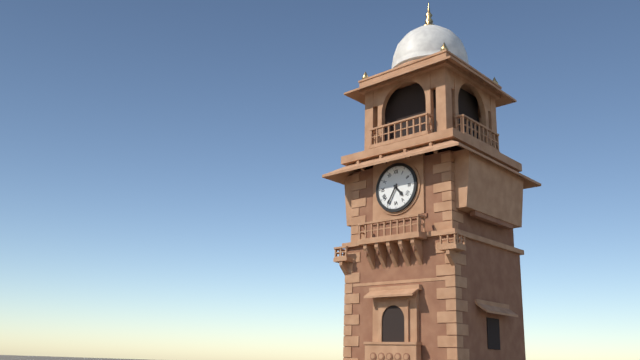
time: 4:35
